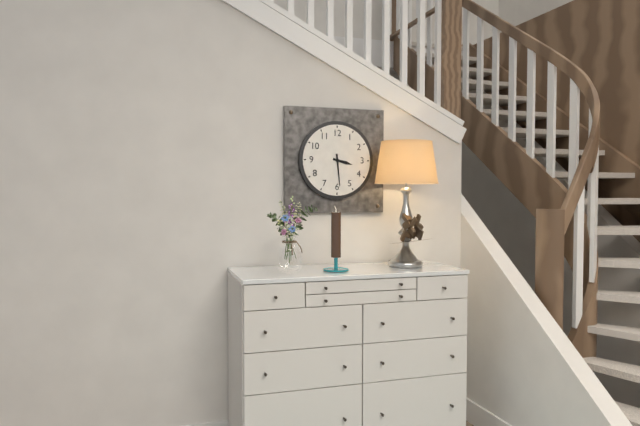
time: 3:29
